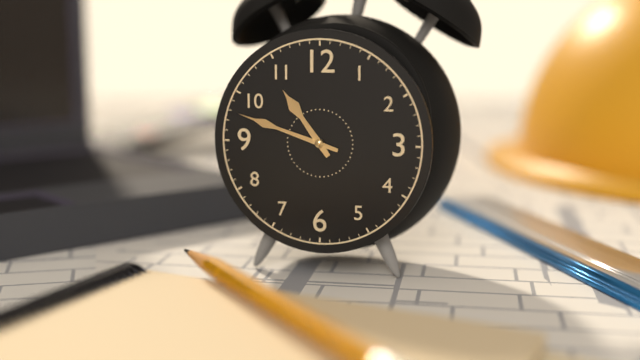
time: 10:48
